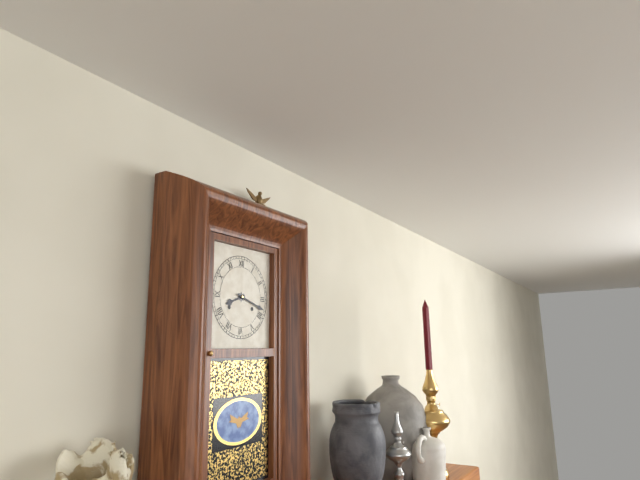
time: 8:18
